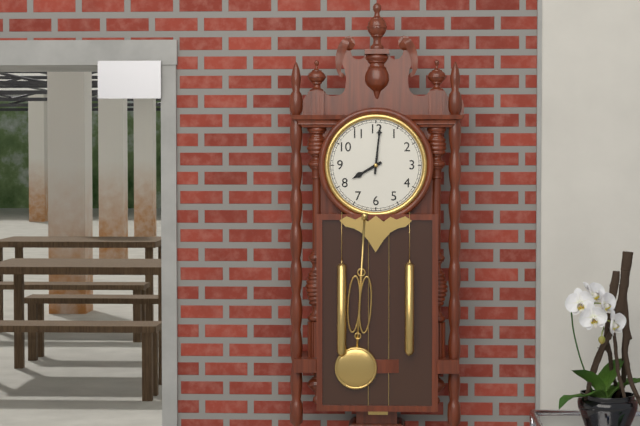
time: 8:01
